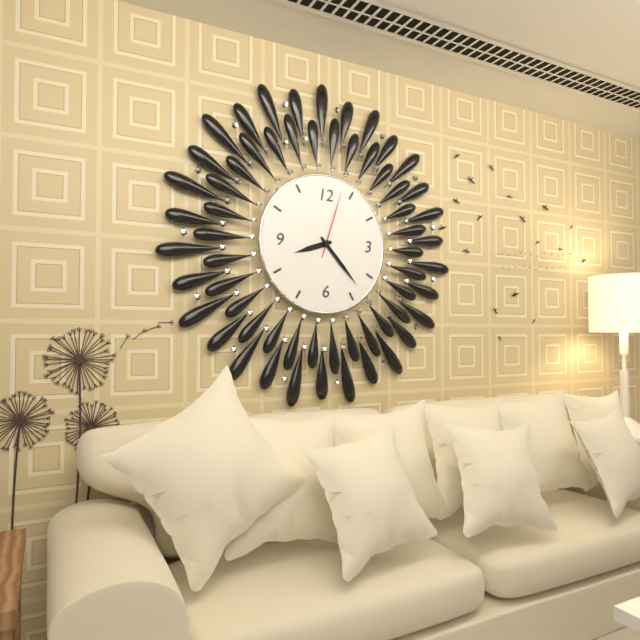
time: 8:23:03
